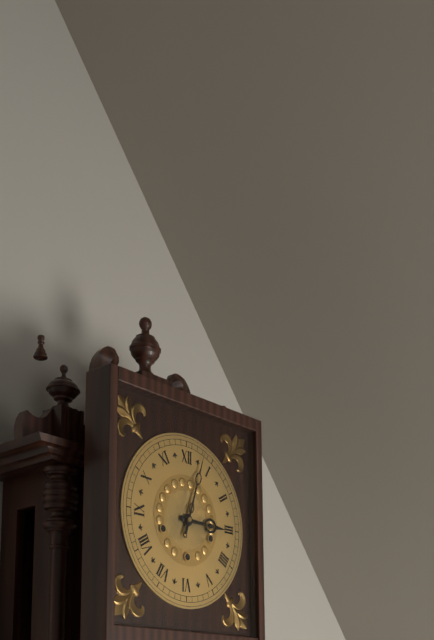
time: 3:03
